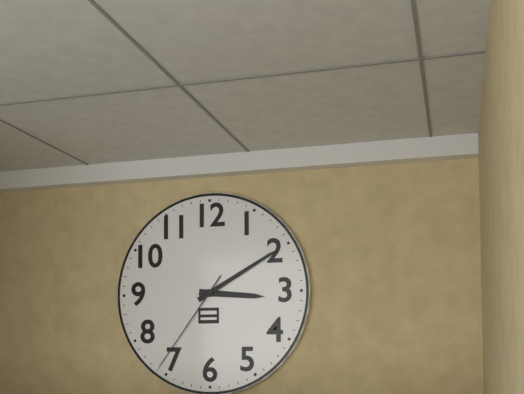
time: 3:10:36
